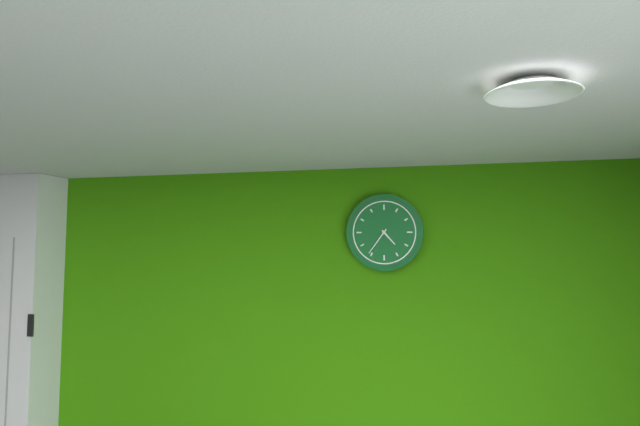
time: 4:36
